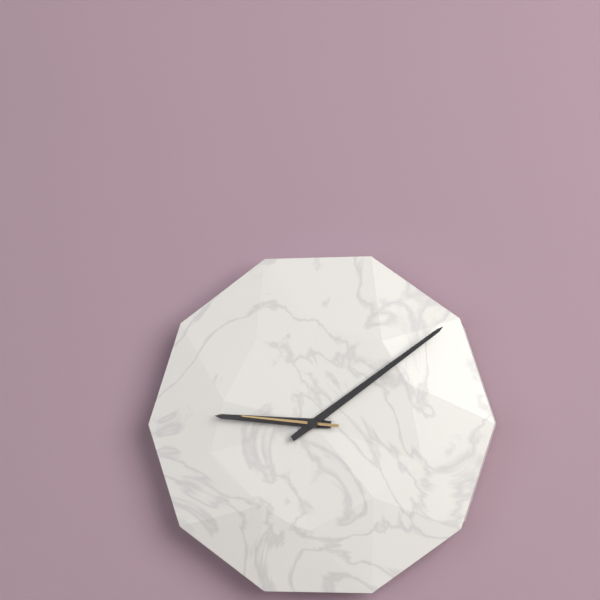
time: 9:09:46
